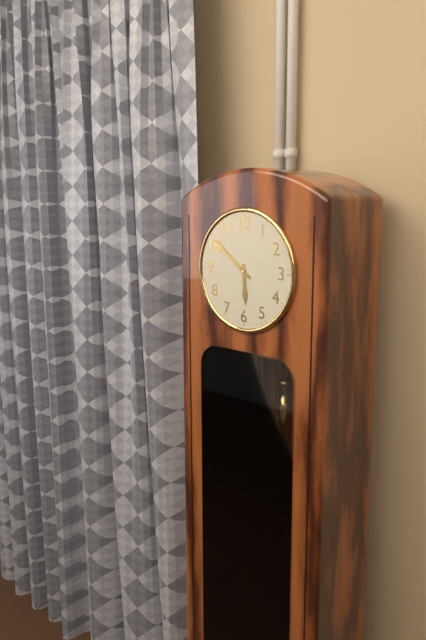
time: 5:51
